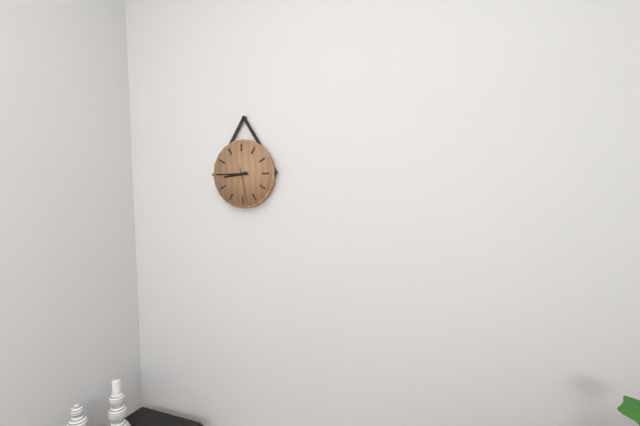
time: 8:45
